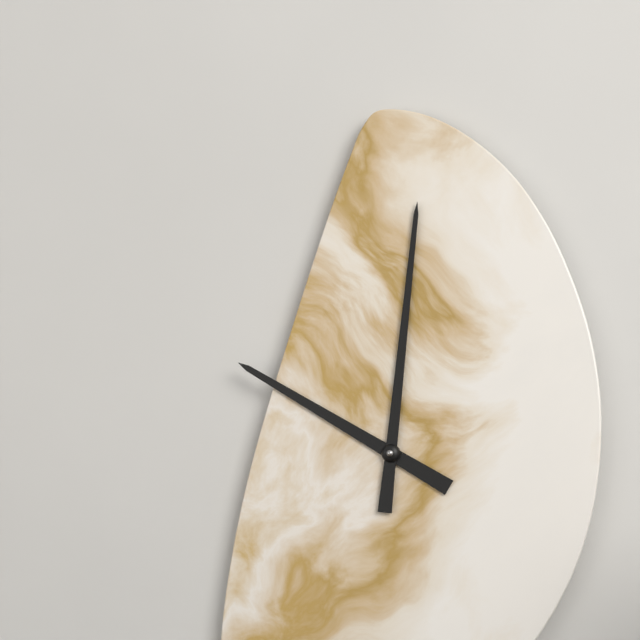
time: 10:01
